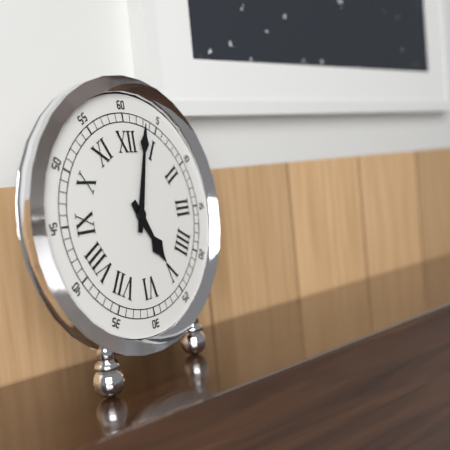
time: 5:03
